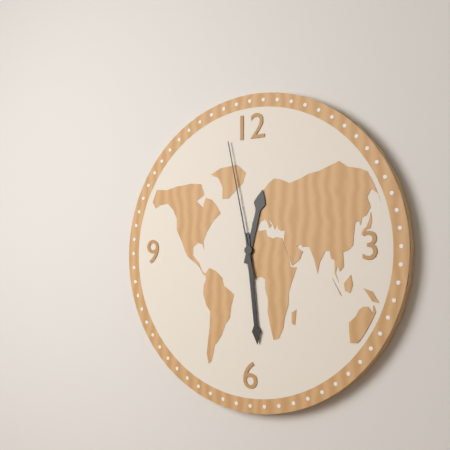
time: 12:29:58
